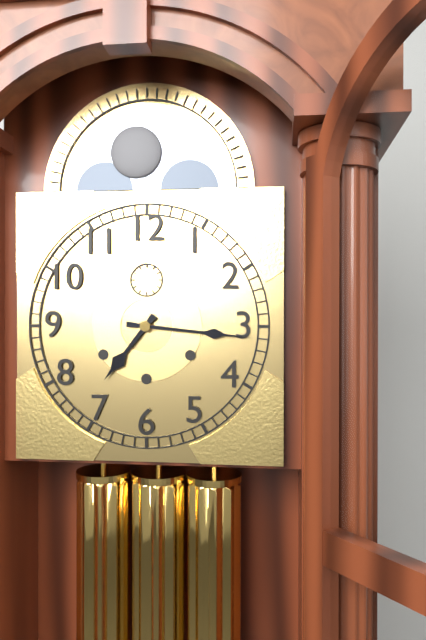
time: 7:16
